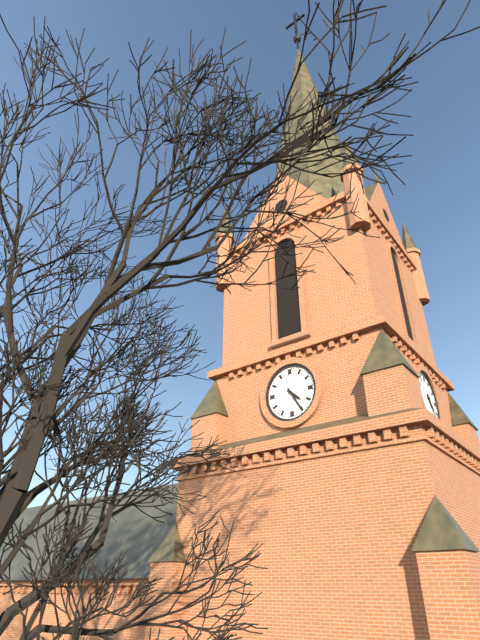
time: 4:25
